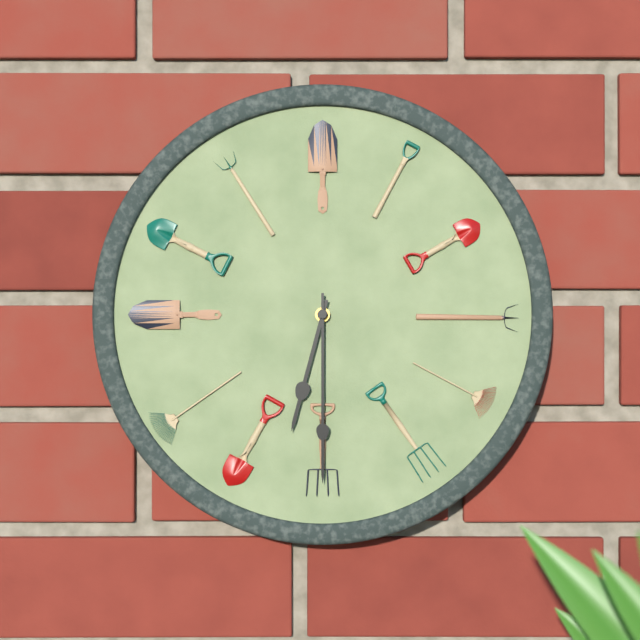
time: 6:30
